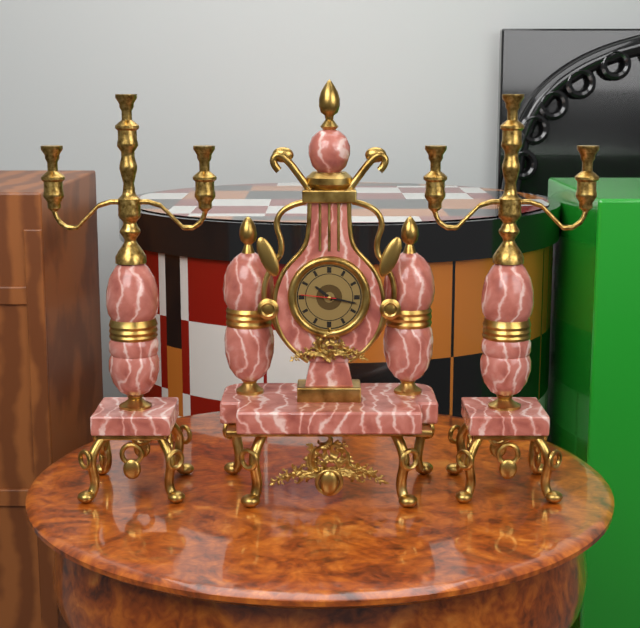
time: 10:17
